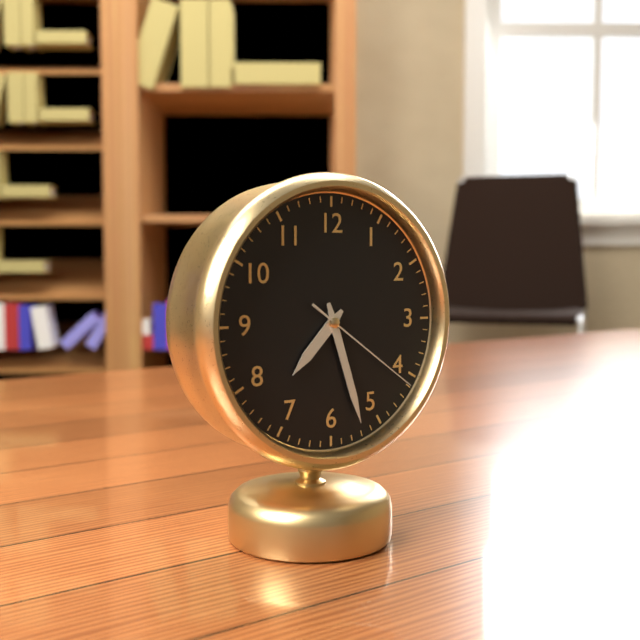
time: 7:27:21
